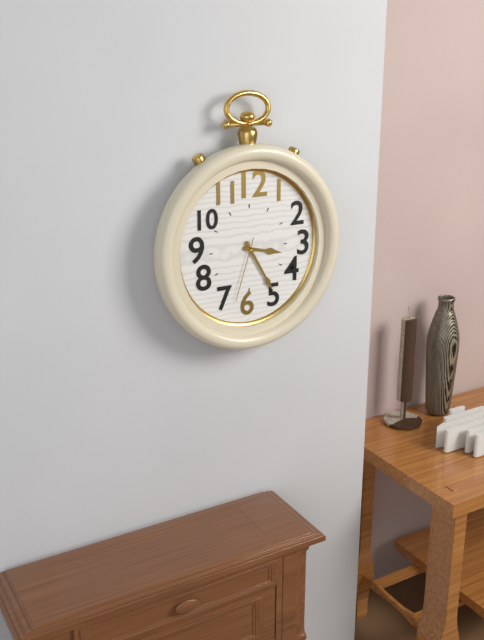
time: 3:25:33
